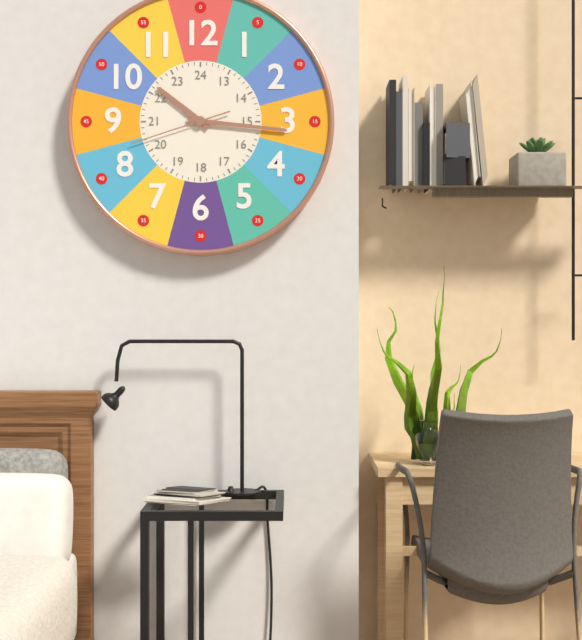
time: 10:16:42
